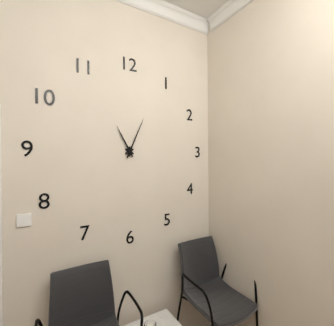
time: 11:04
